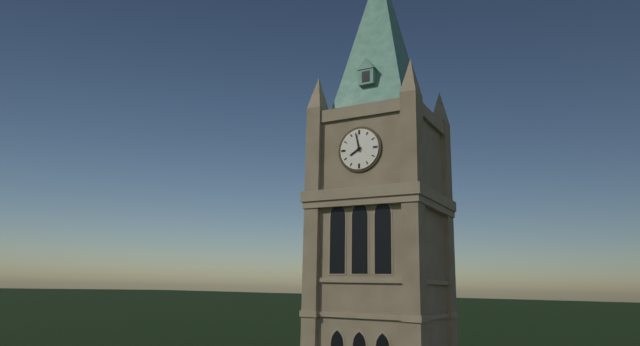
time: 7:58
